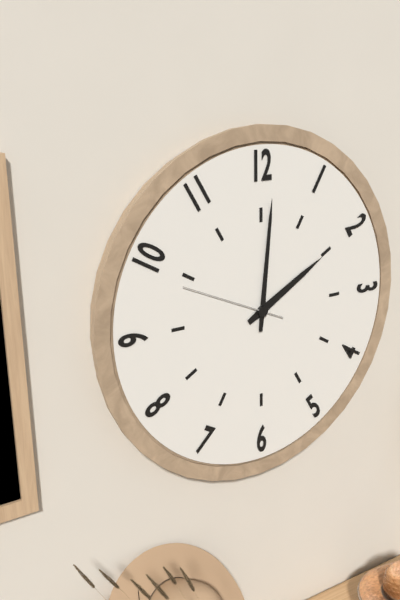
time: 2:01:49
